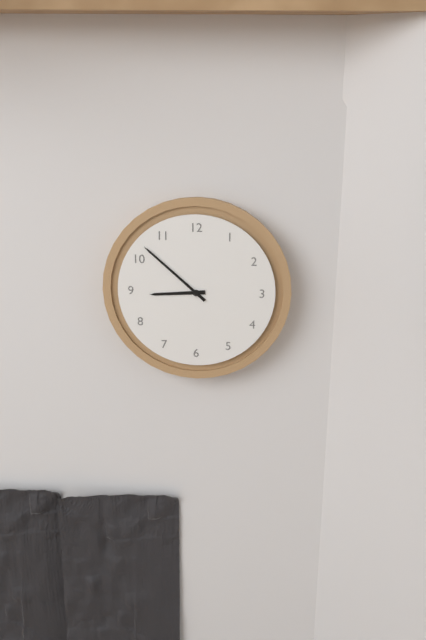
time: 8:52
